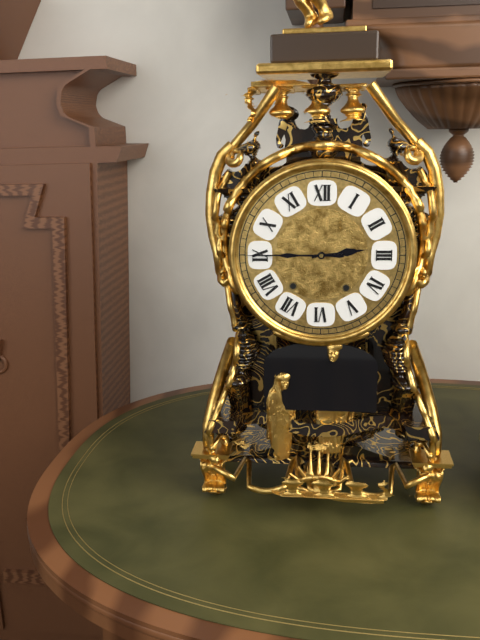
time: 2:45
